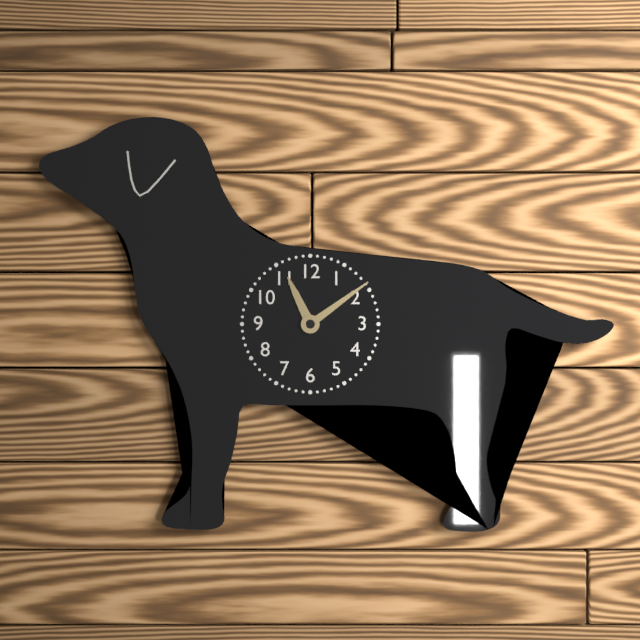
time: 11:09
